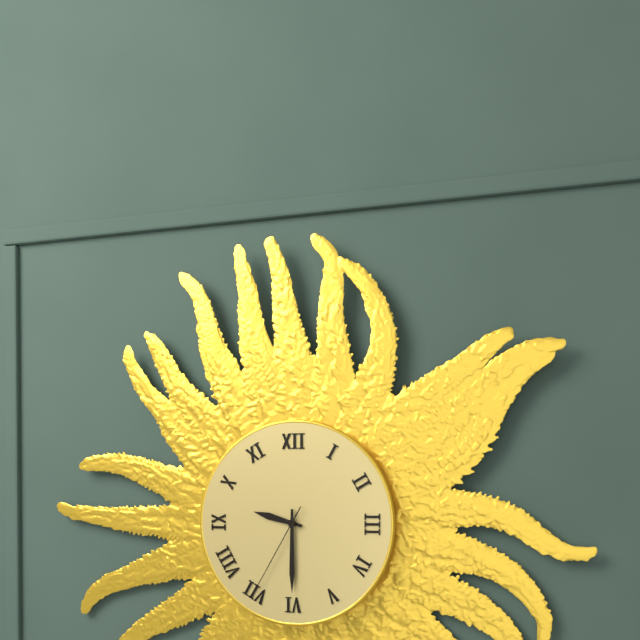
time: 9:30:35
